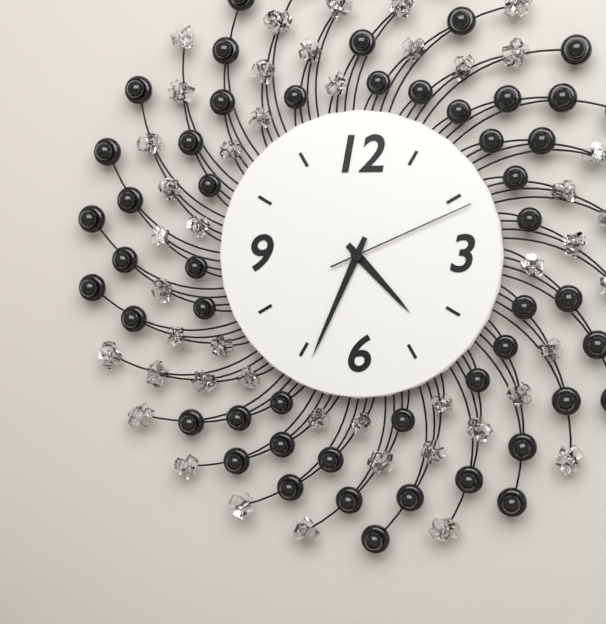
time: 4:34:11
